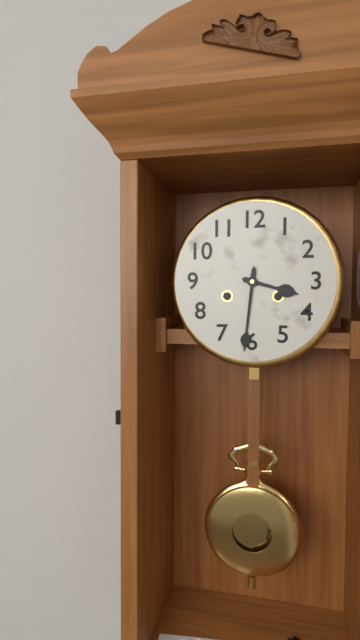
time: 3:31
